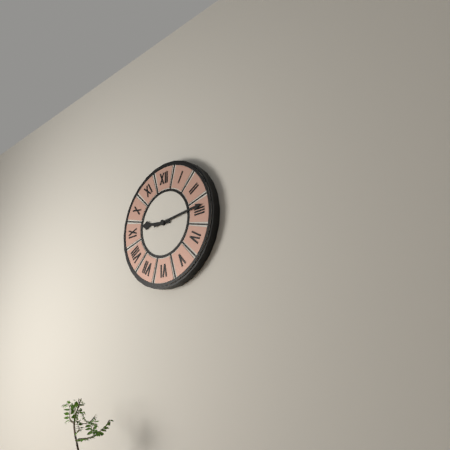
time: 9:14
